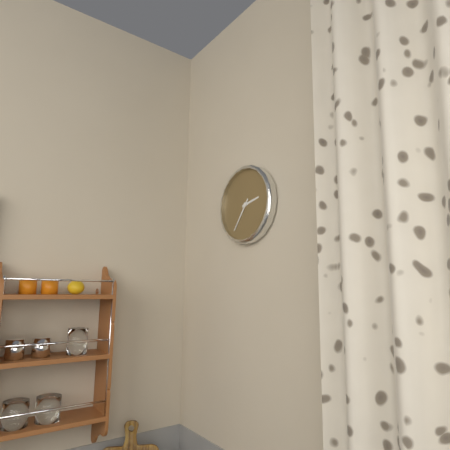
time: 2:36
